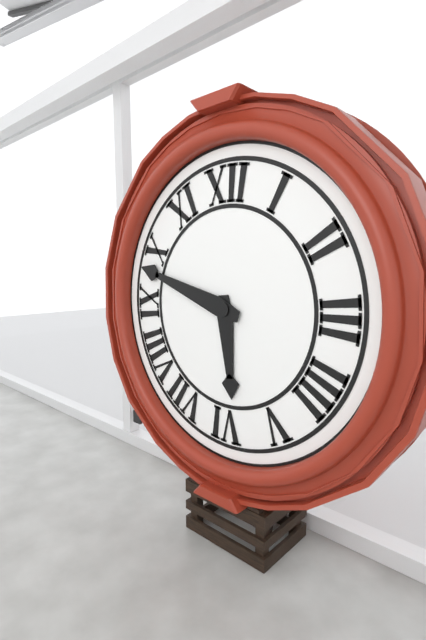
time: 5:48
